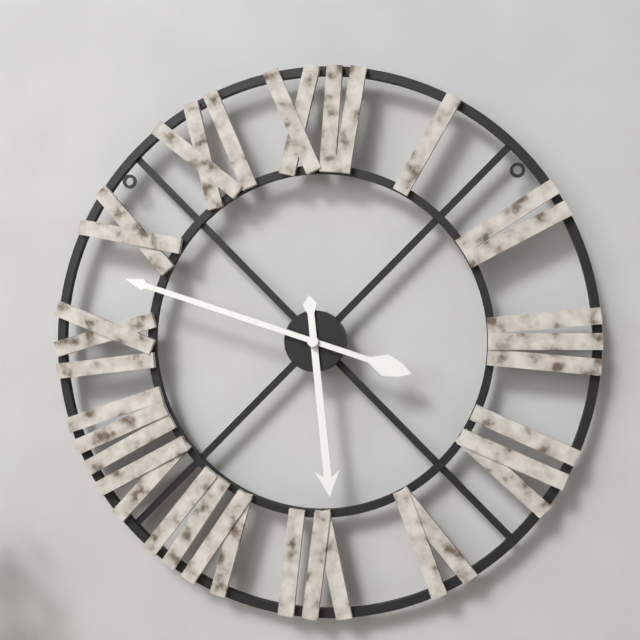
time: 5:48
